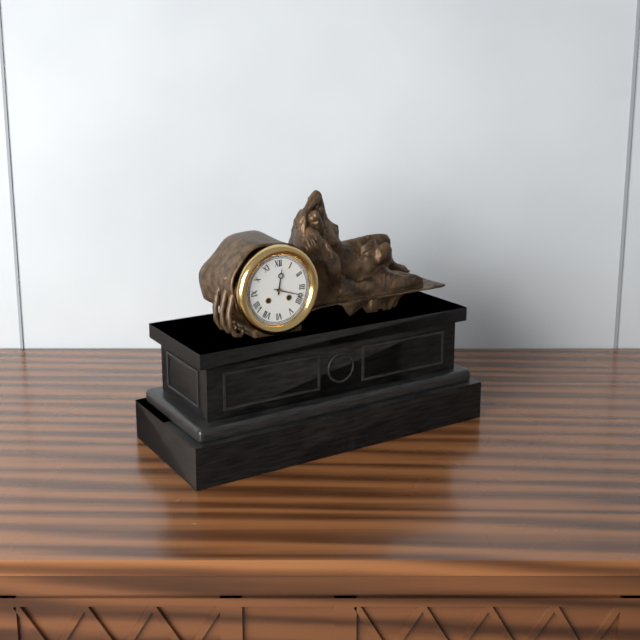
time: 12:18
